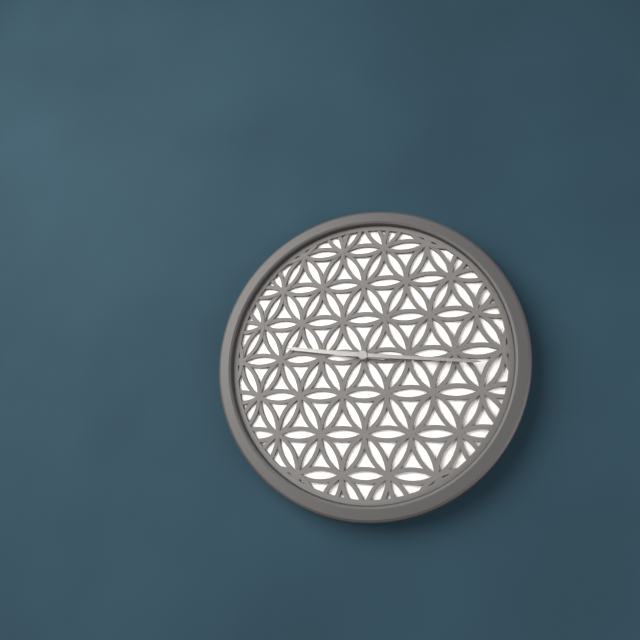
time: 9:16
